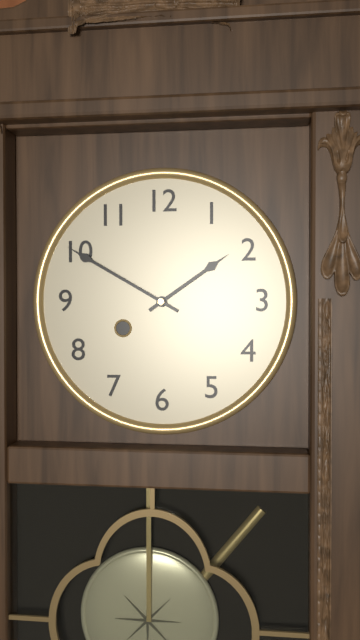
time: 1:50
